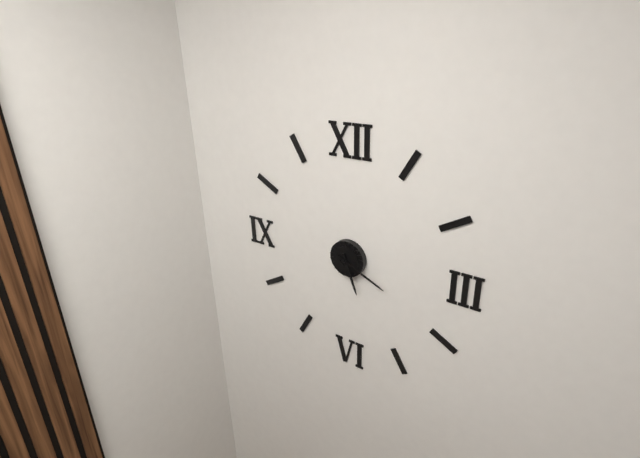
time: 5:19
